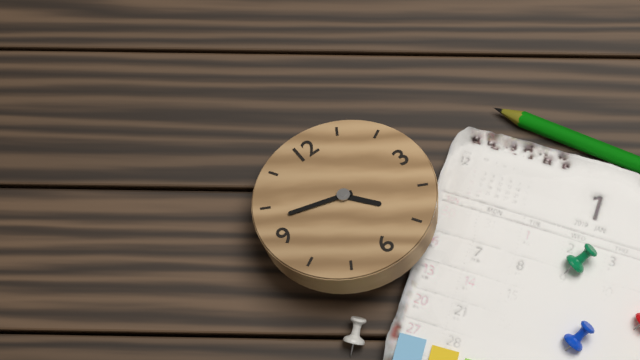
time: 4:48
